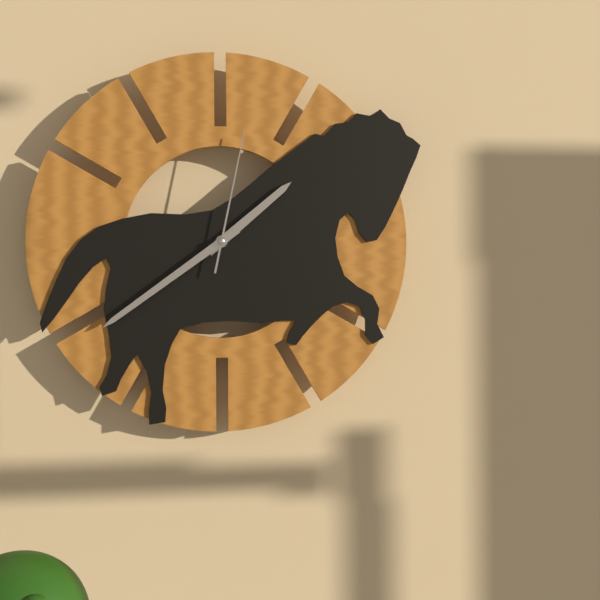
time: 1:39:02
